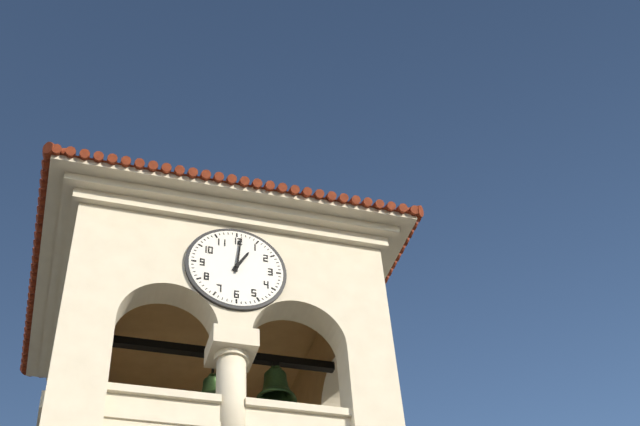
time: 1:01
